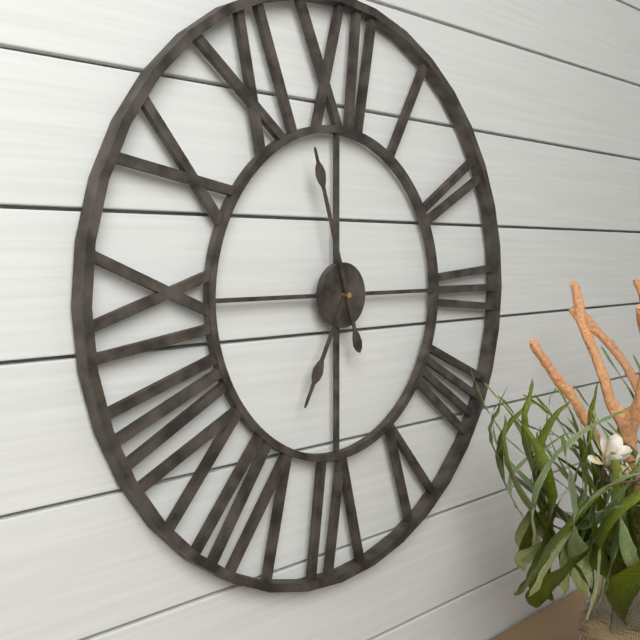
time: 6:57
